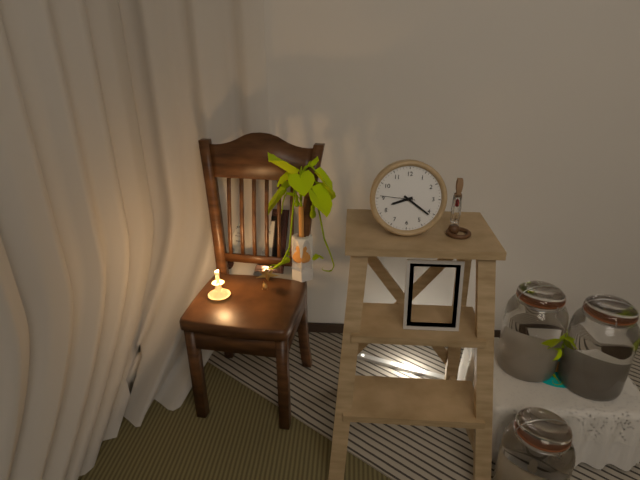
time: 8:21
